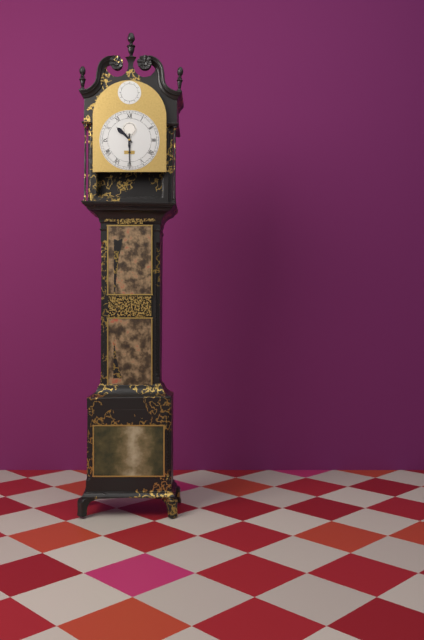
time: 10:30
